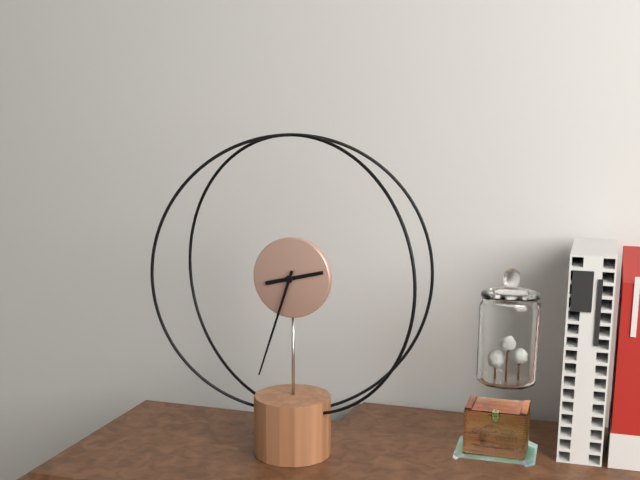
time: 2:33
